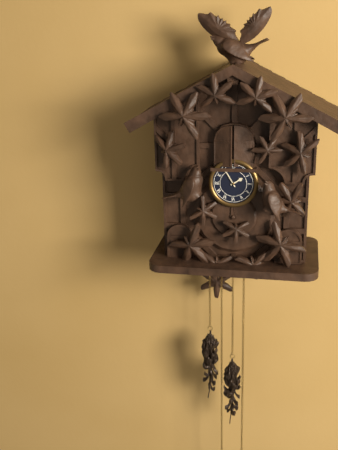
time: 1:55
